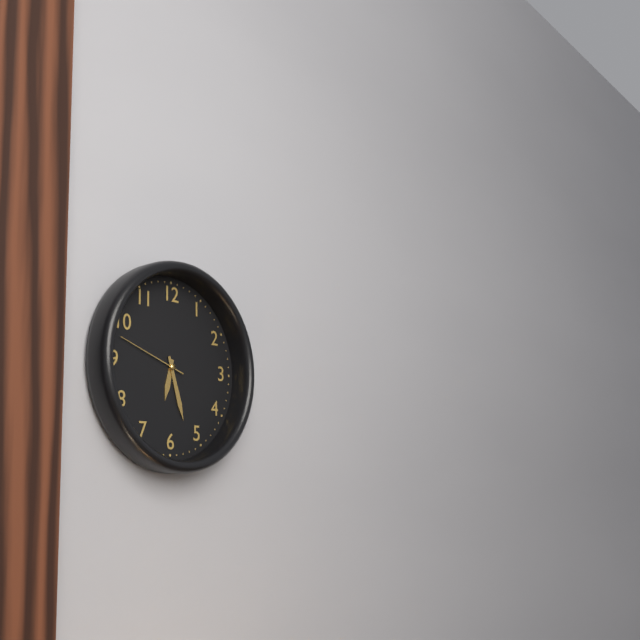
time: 6:27:48
